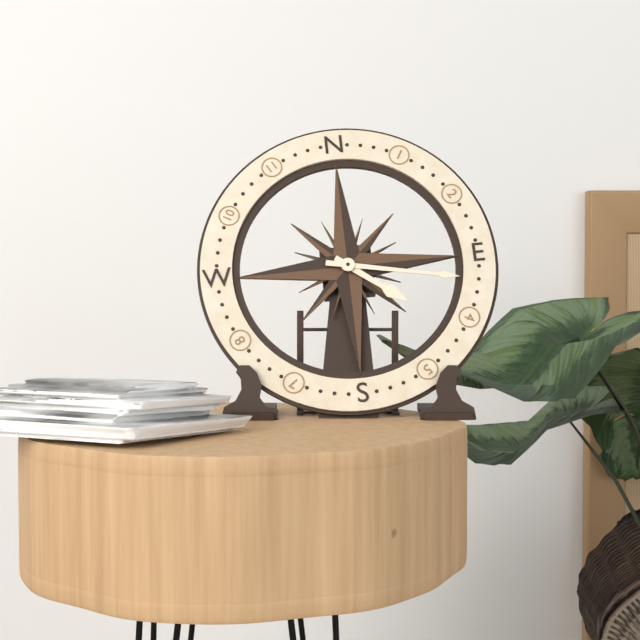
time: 4:17
